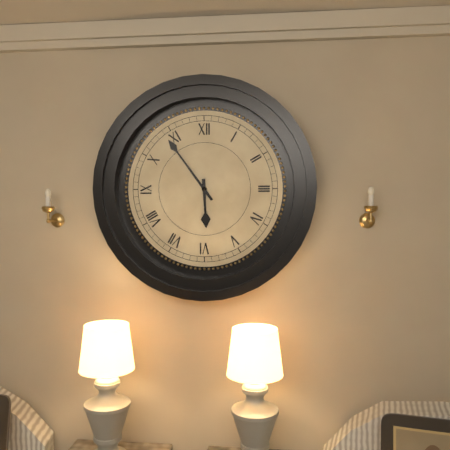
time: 5:54
